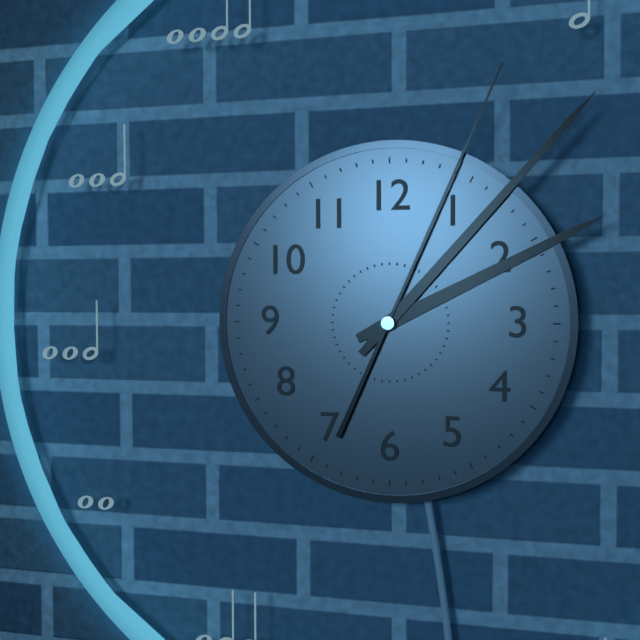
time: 2:07:04
